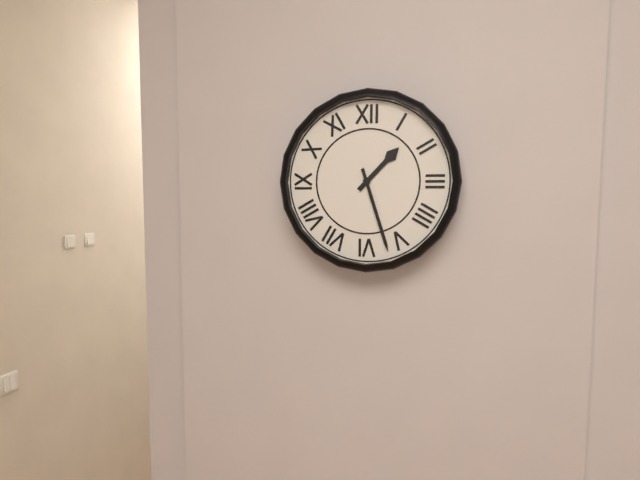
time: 1:27
